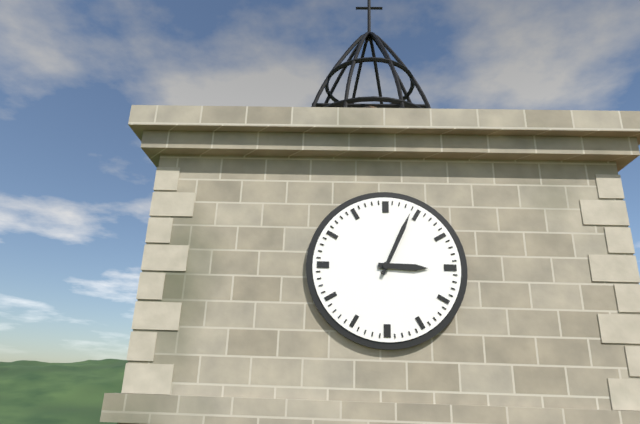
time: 3:04
